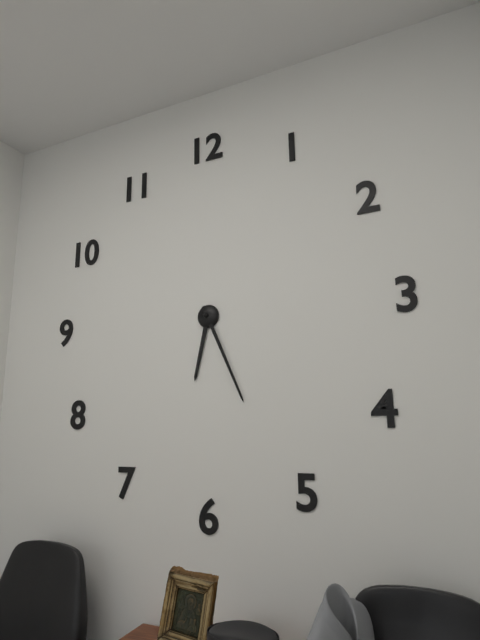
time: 6:26
